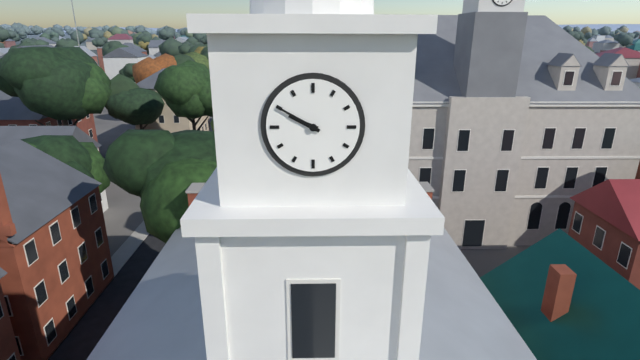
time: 9:50
